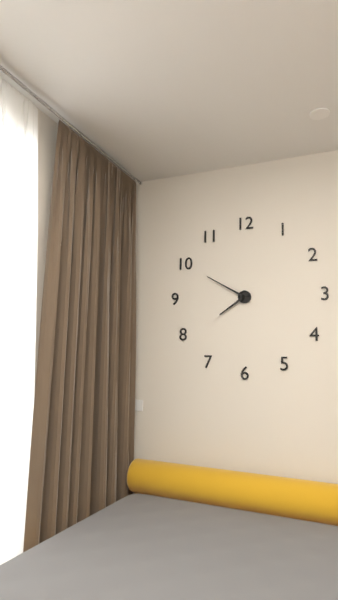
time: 7:50
